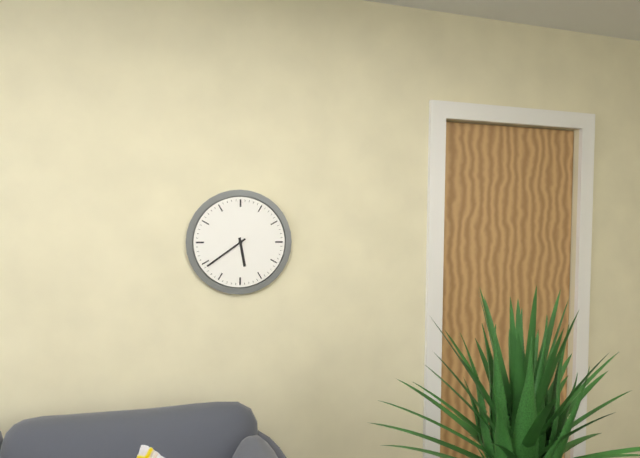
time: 5:39
